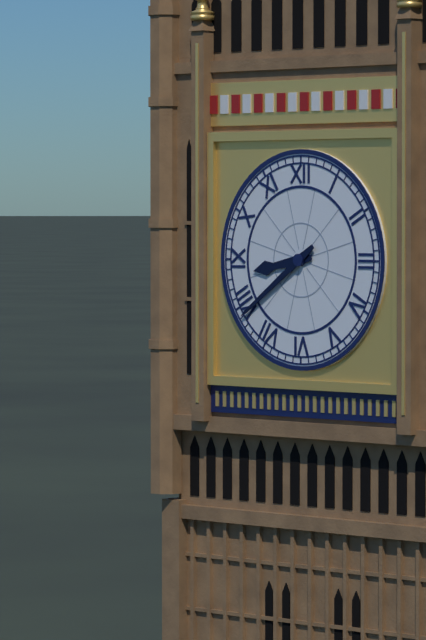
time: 8:39
